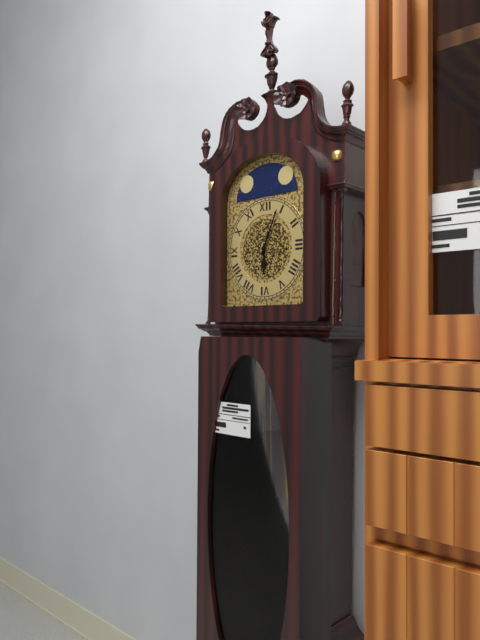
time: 6:04
